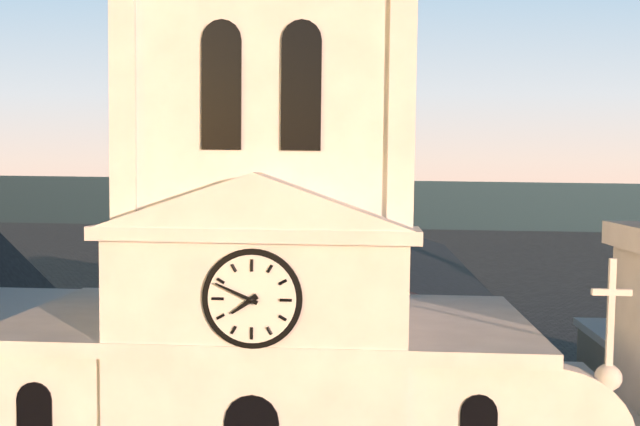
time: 7:49
